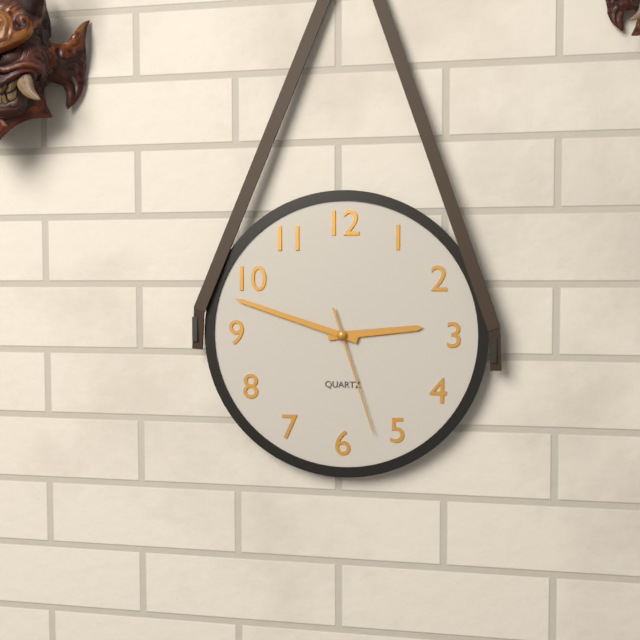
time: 2:48:27
